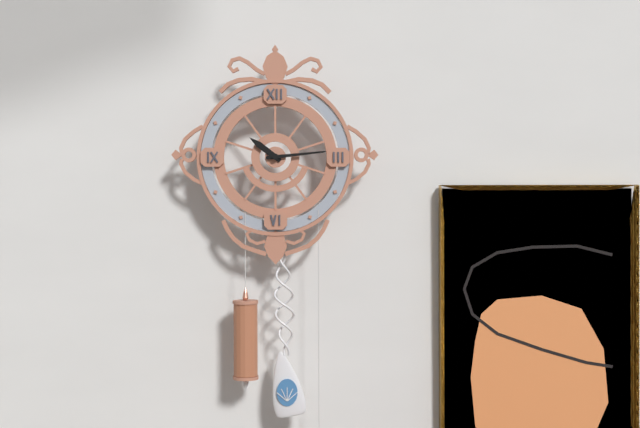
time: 10:14
